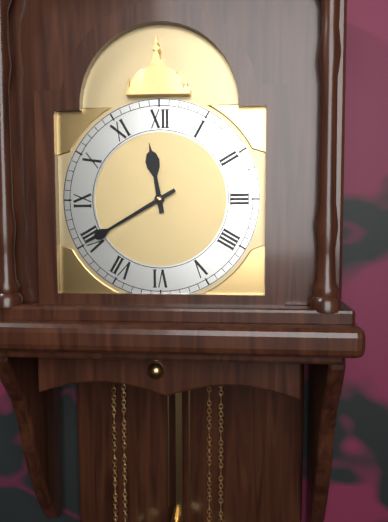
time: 11:40
